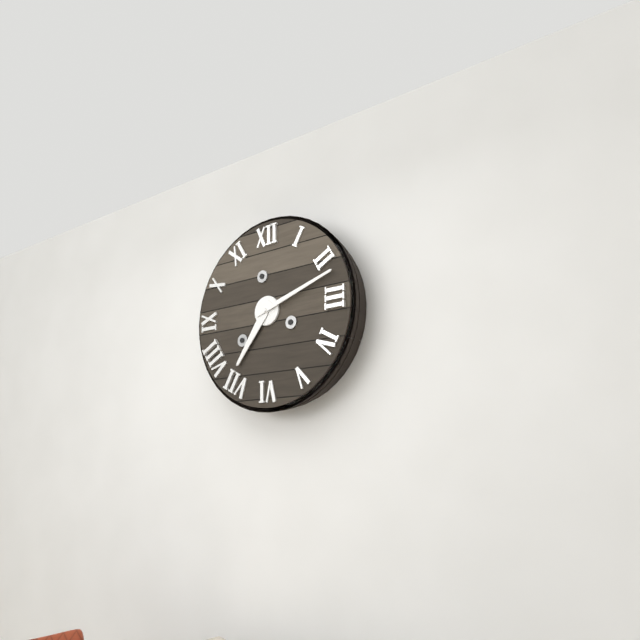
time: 7:12
